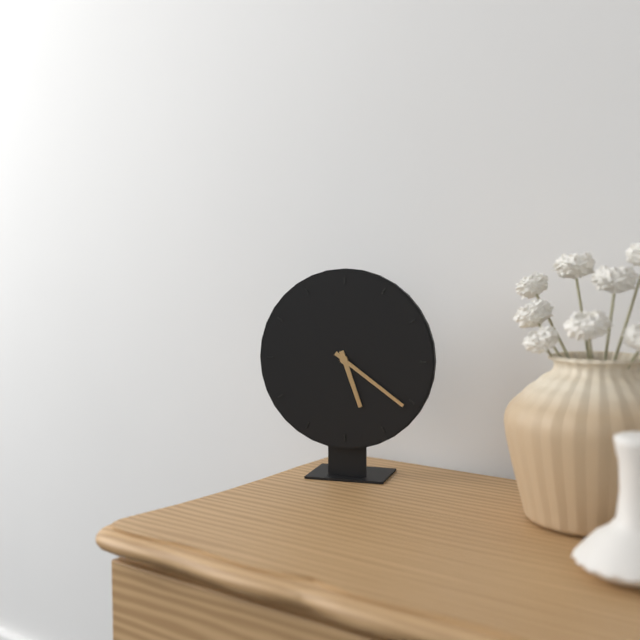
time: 5:21
